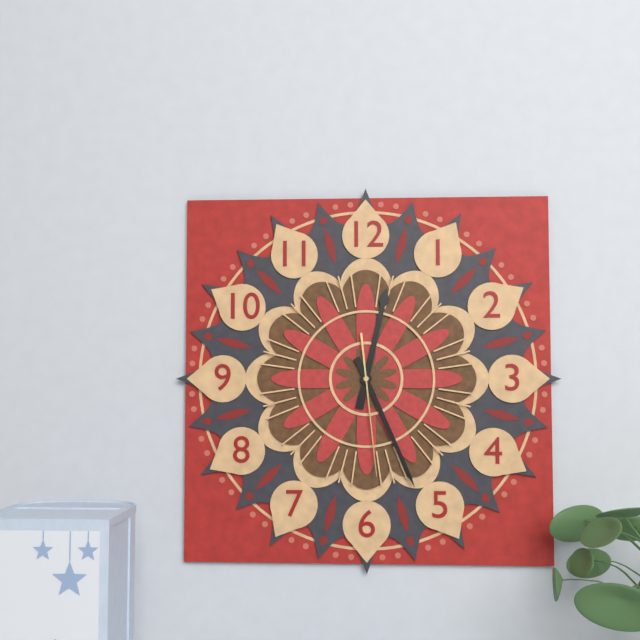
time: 12:26:29
